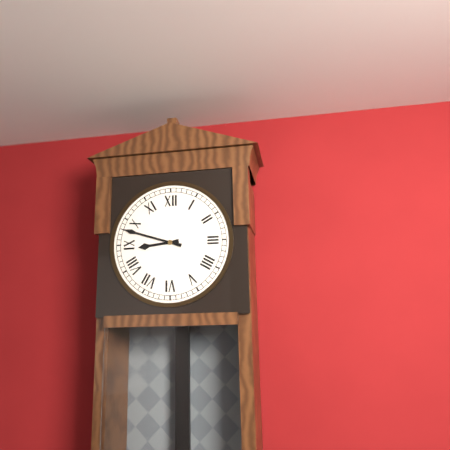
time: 8:48
